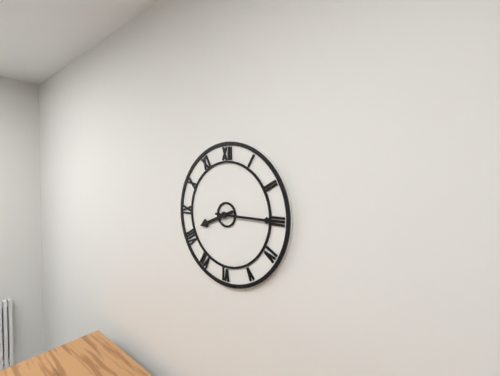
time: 8:15
